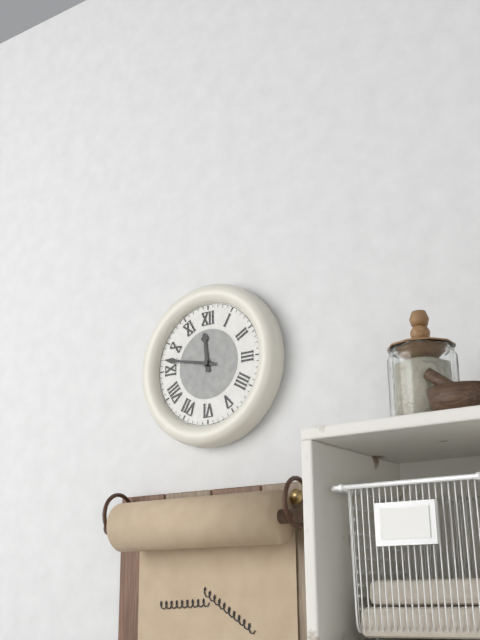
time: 11:47
